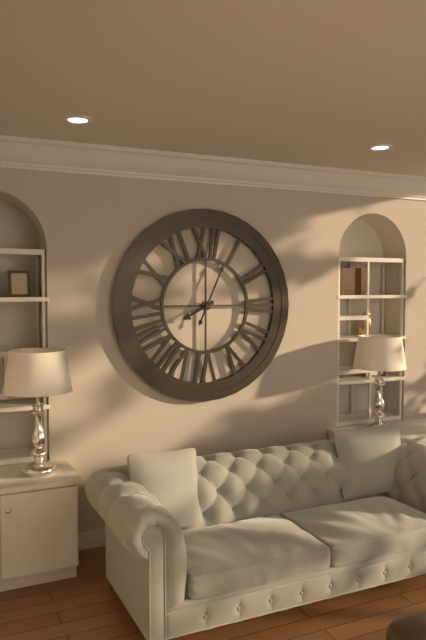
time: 8:04
